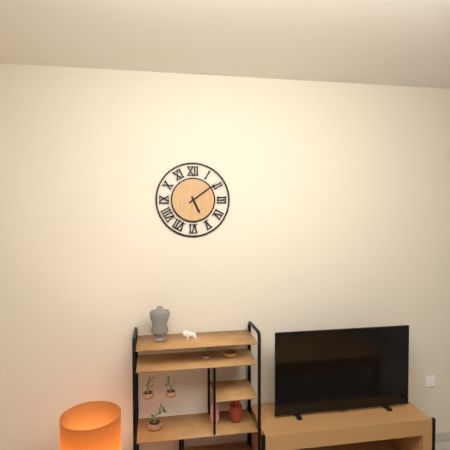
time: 5:09
